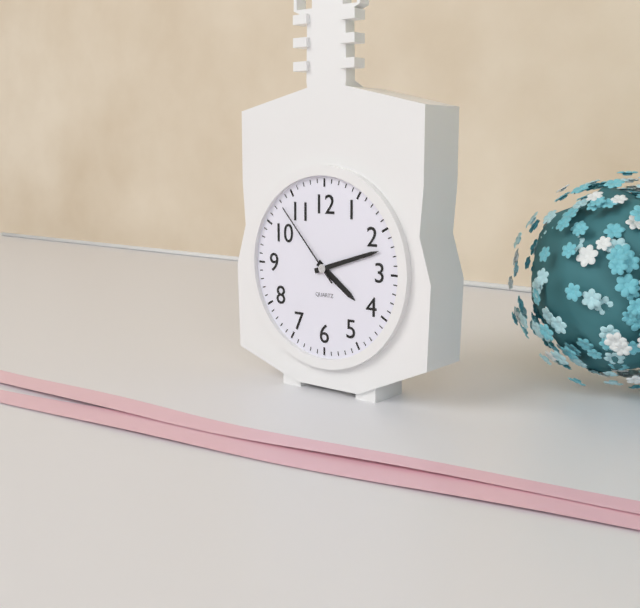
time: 4:12:53
